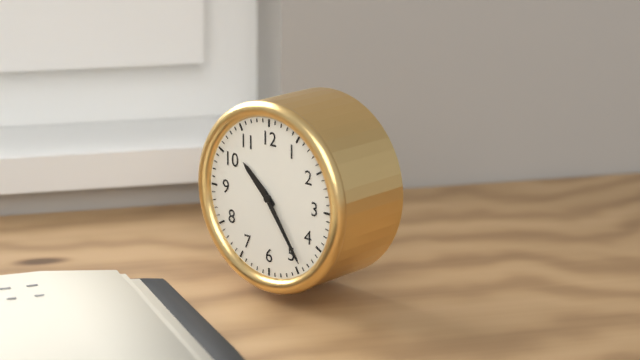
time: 10:24
